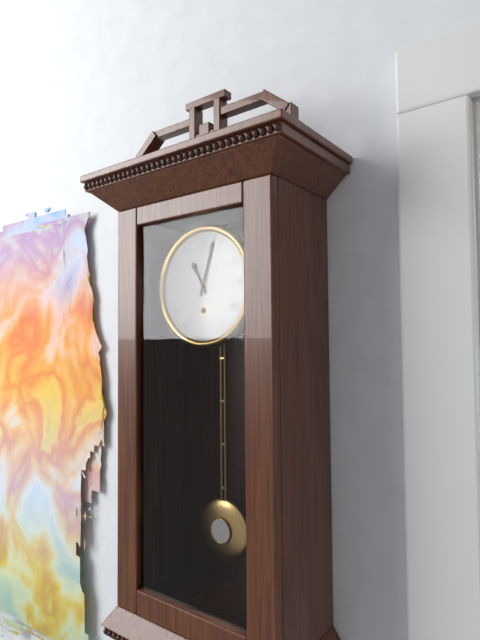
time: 11:03
